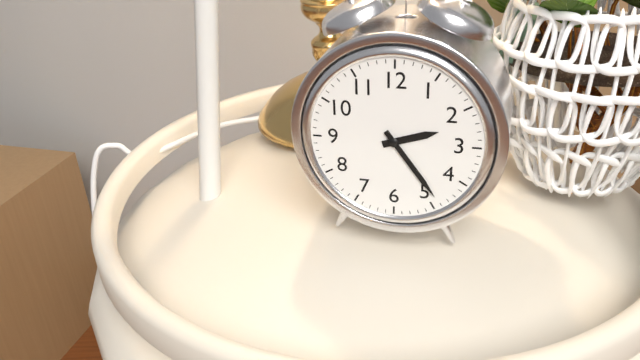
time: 2:24
